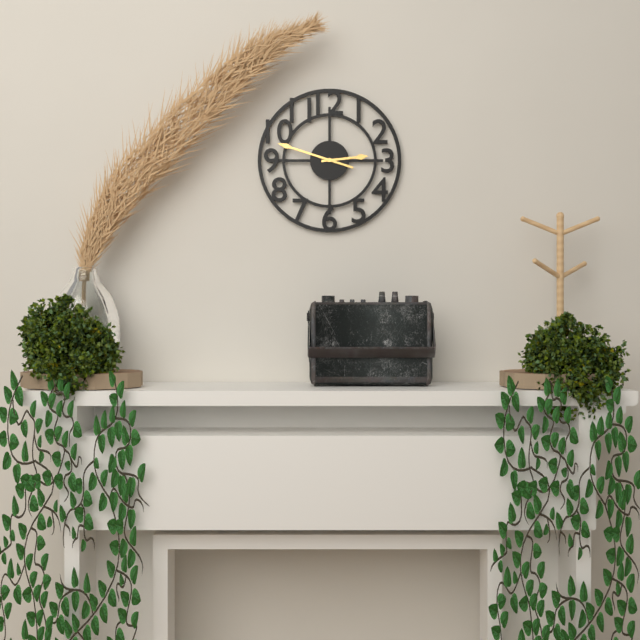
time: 2:48
